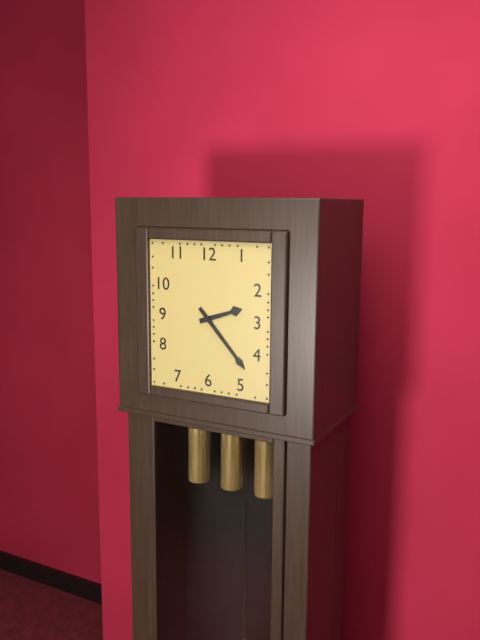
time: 2:23
